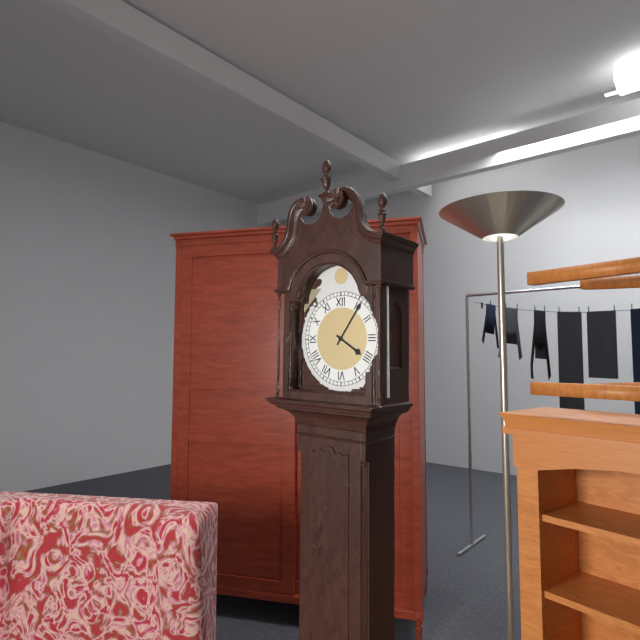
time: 4:06
